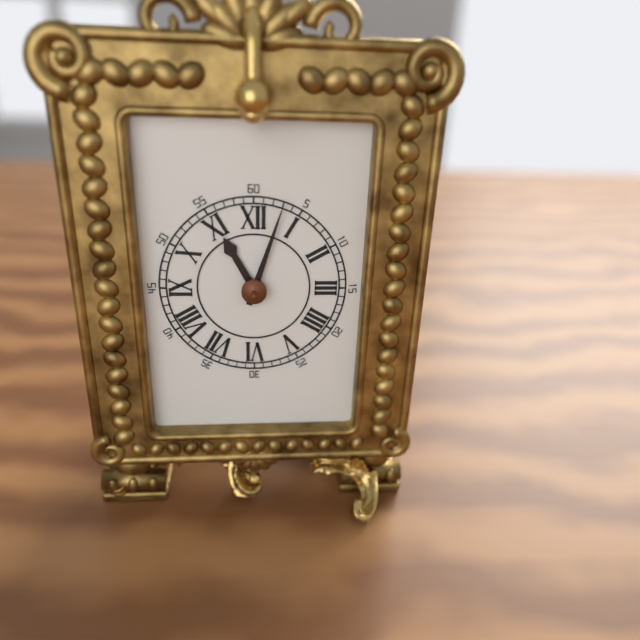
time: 11:03
